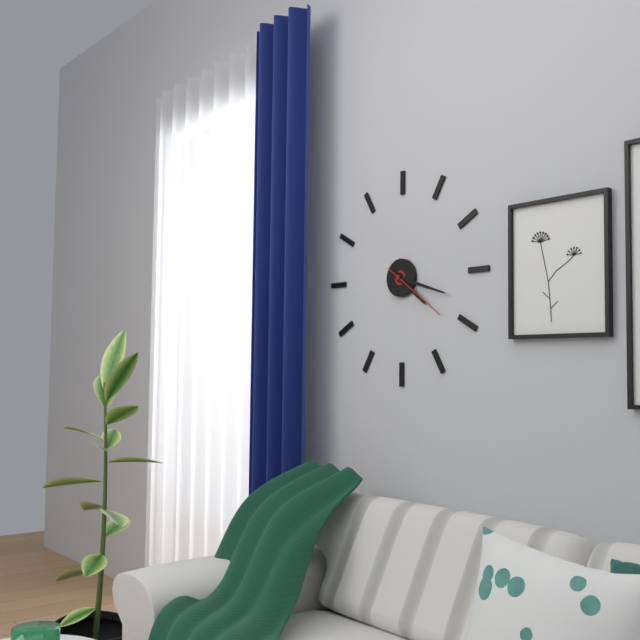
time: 4:18:21
